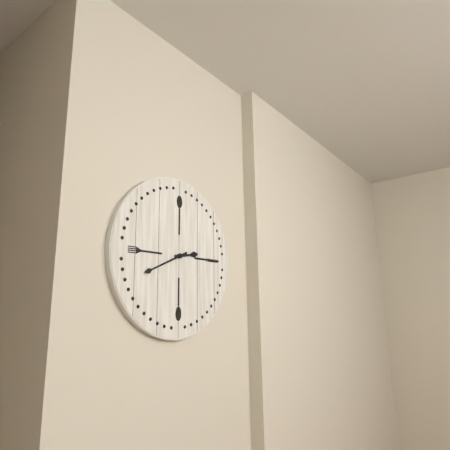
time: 2:41
